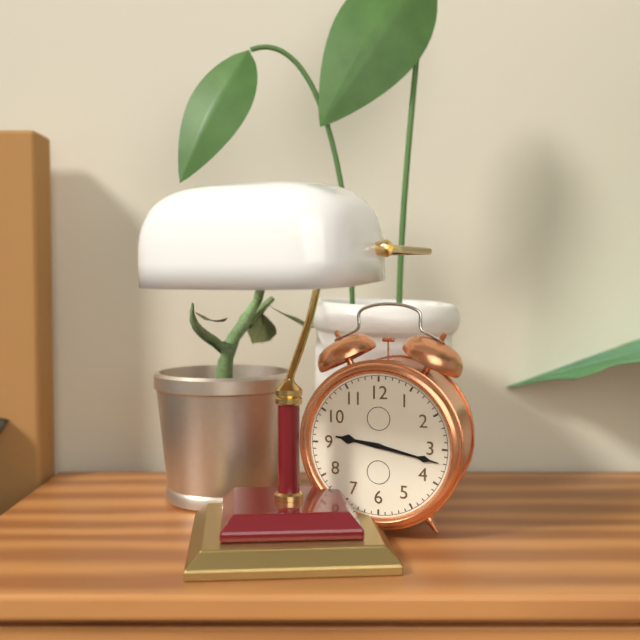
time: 9:17
